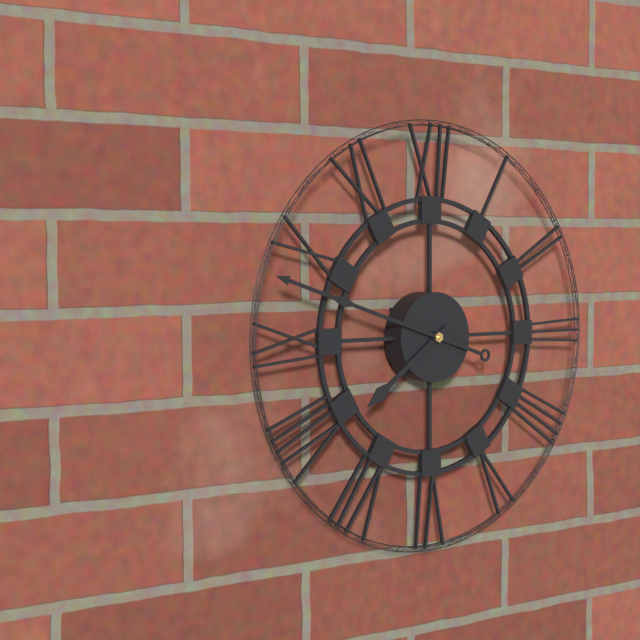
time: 7:48
